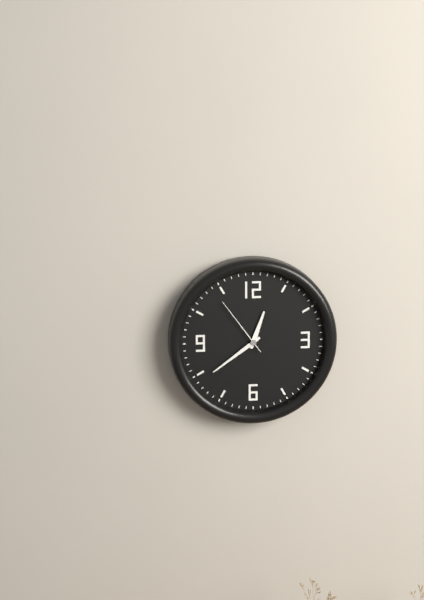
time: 12:39:54
